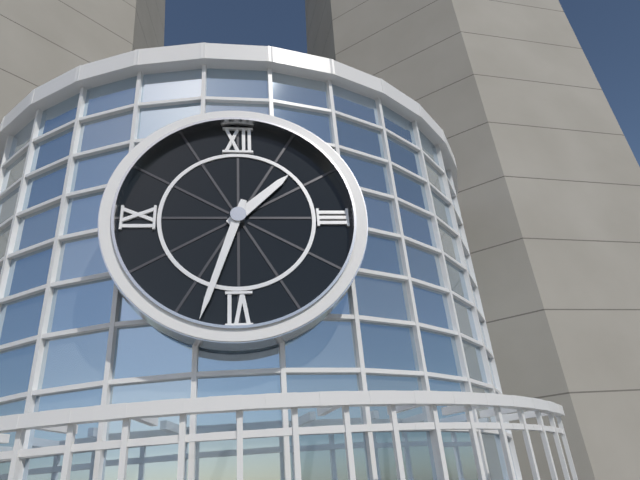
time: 1:33
